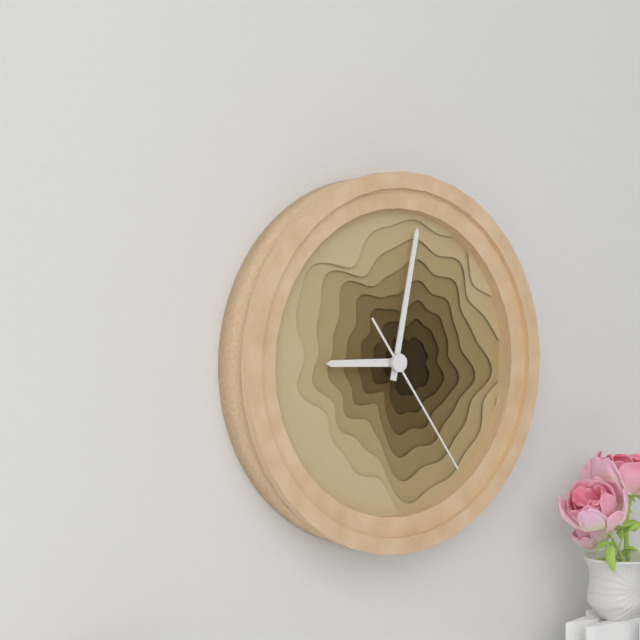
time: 9:02:24
